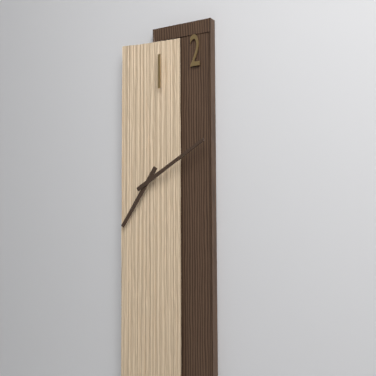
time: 7:10
